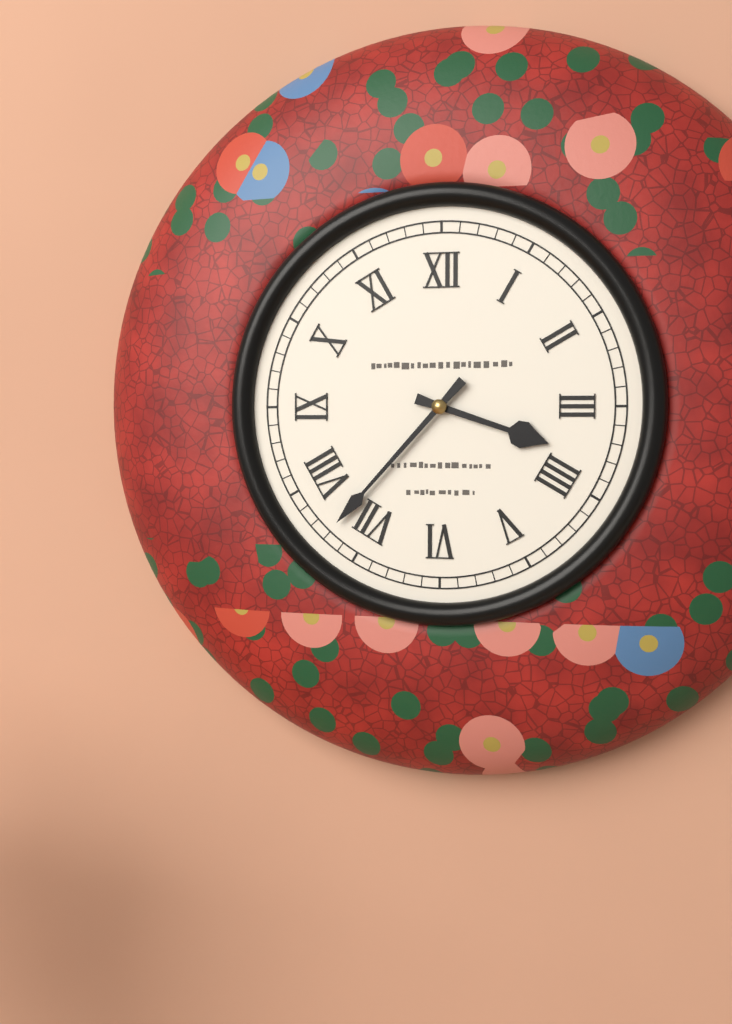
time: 3:37
